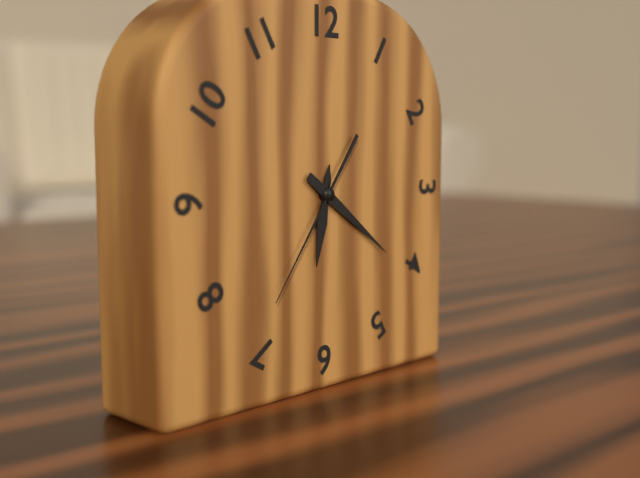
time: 6:21:36
